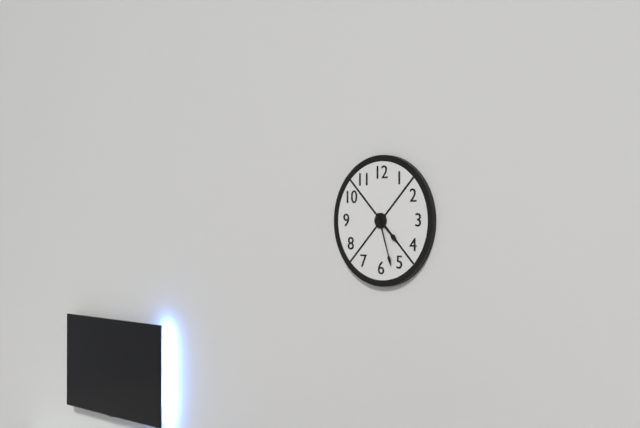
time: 4:27
